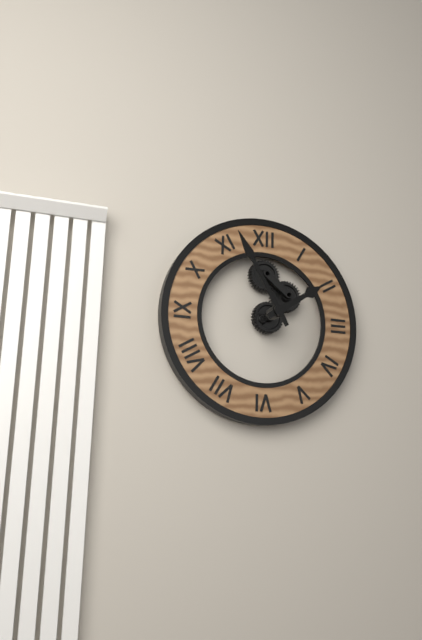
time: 1:55
